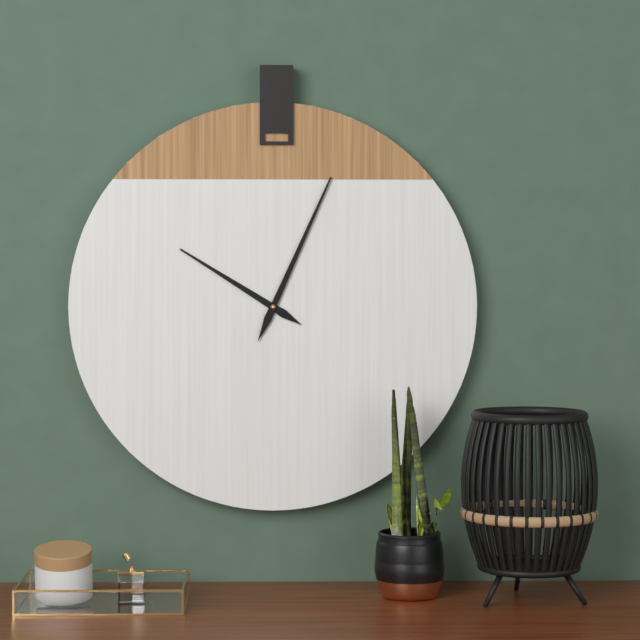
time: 10:04
